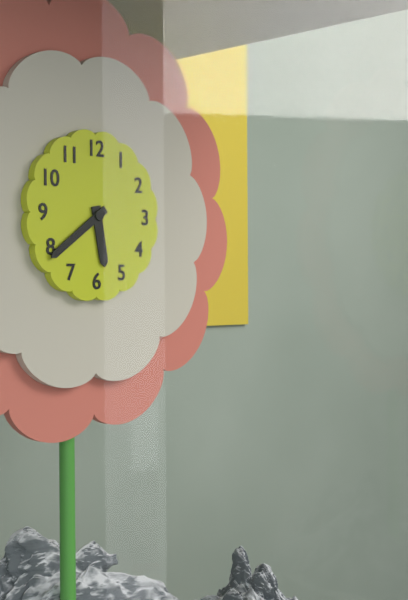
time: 5:39
